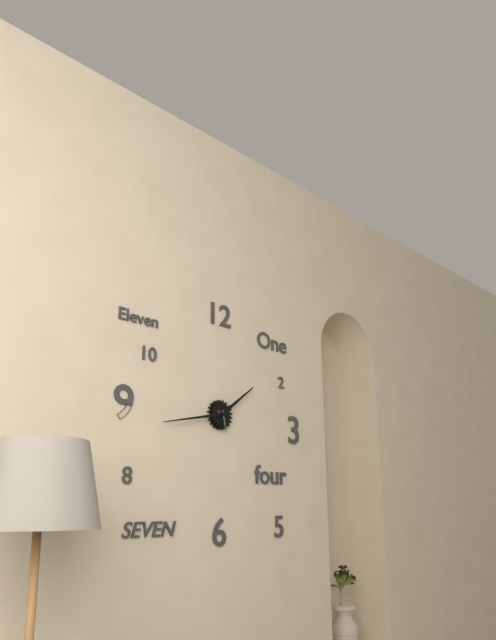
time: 1:43
